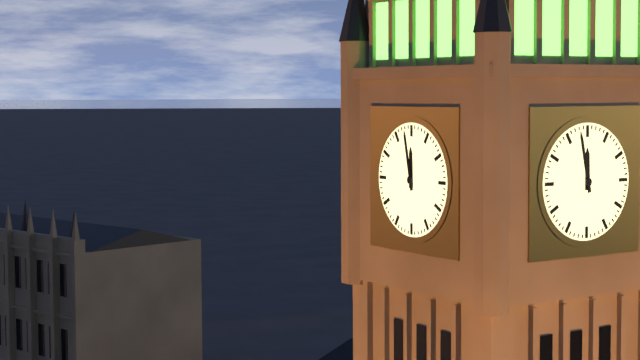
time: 11:58
